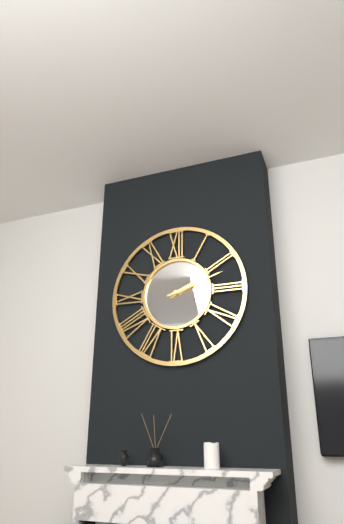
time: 2:12
